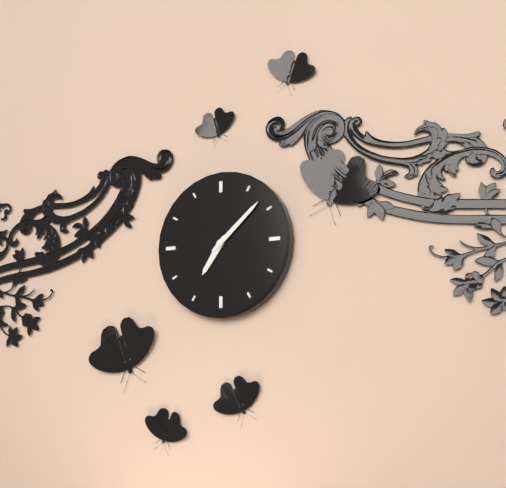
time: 7:08
